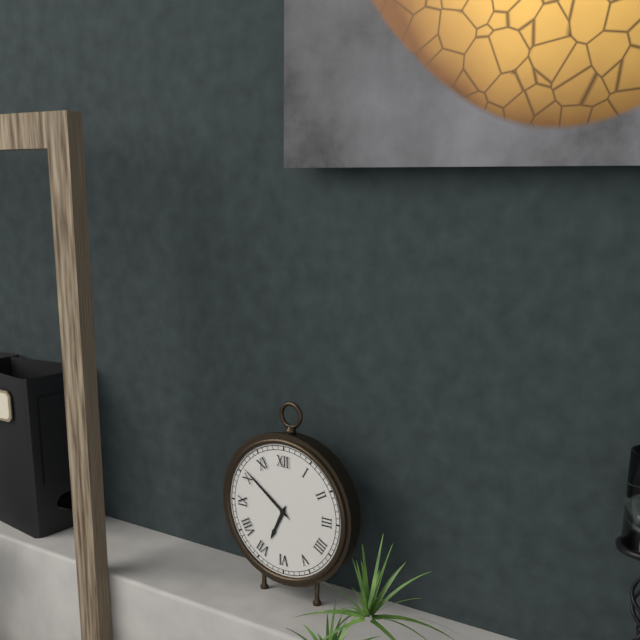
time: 6:51
